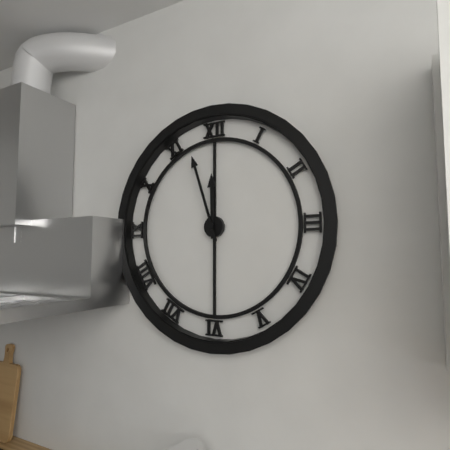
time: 11:57
